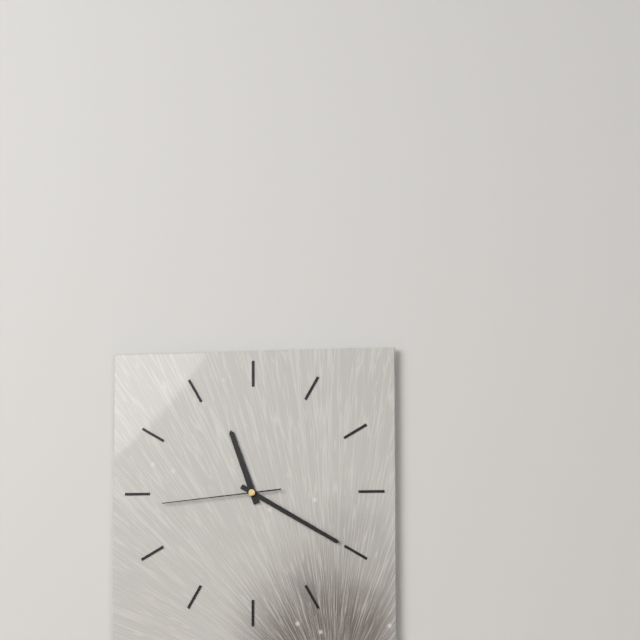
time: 11:20:44
